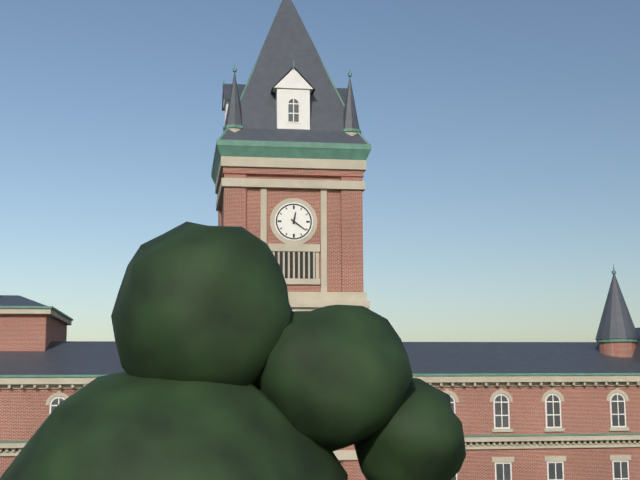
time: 12:21
